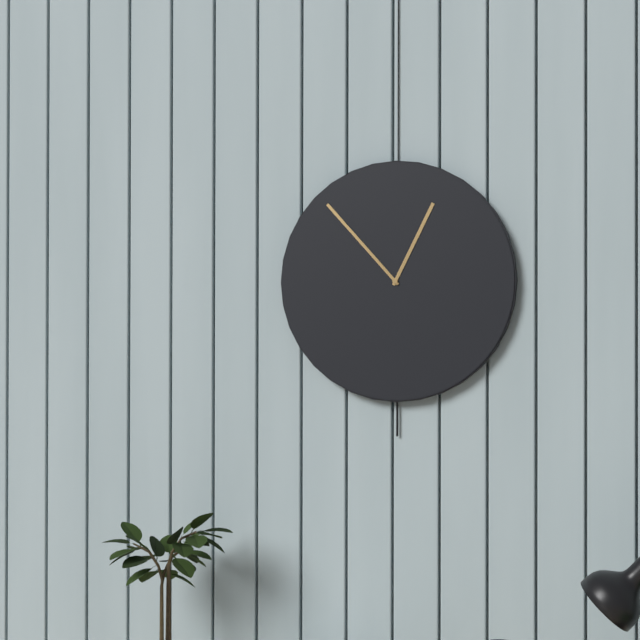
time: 12:53
